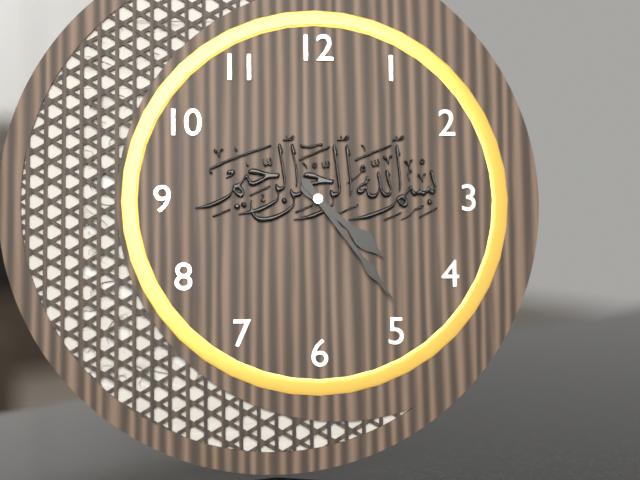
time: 4:24
